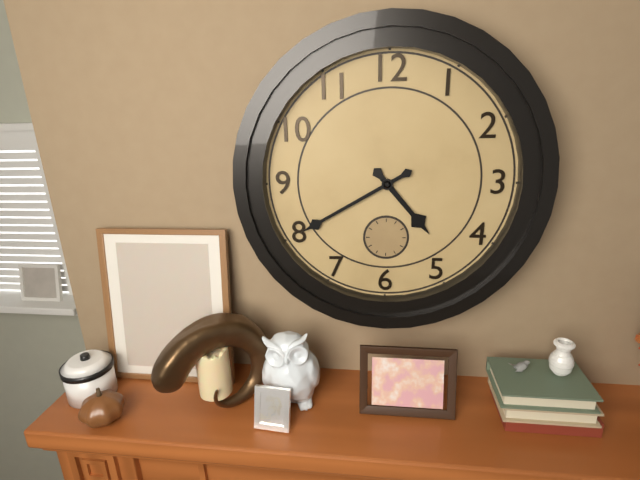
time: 4:40
